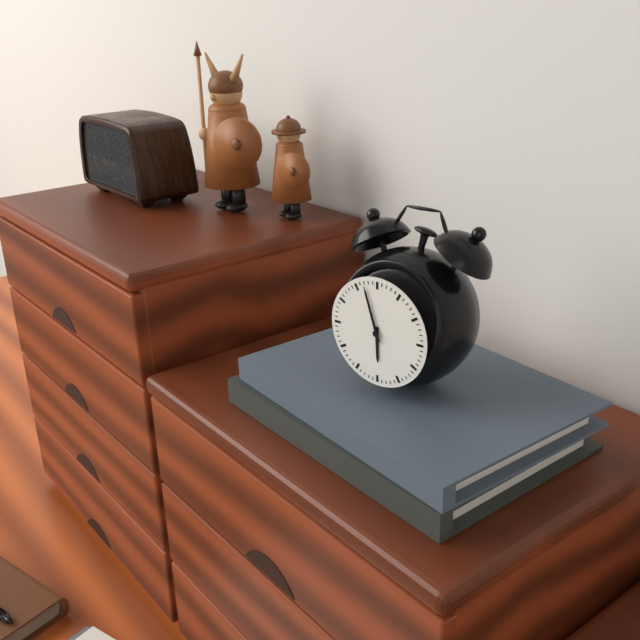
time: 5:57
